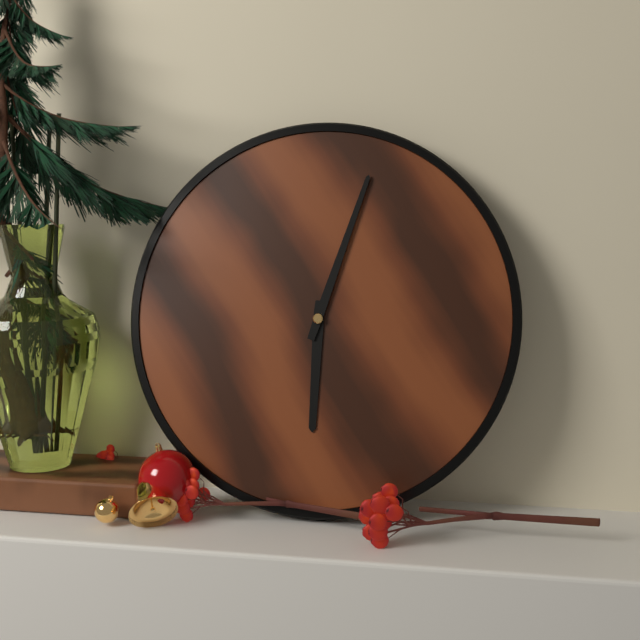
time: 6:03
